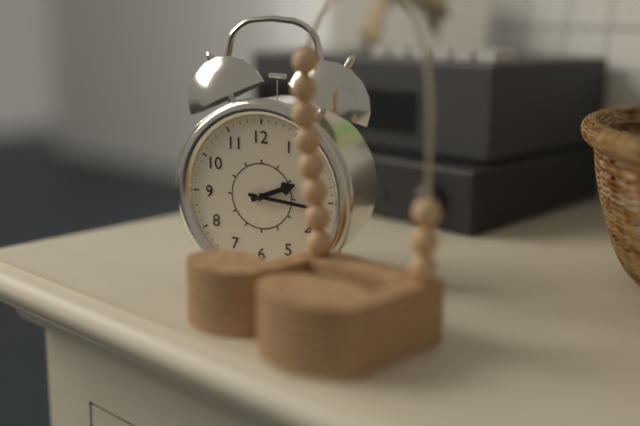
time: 2:16
